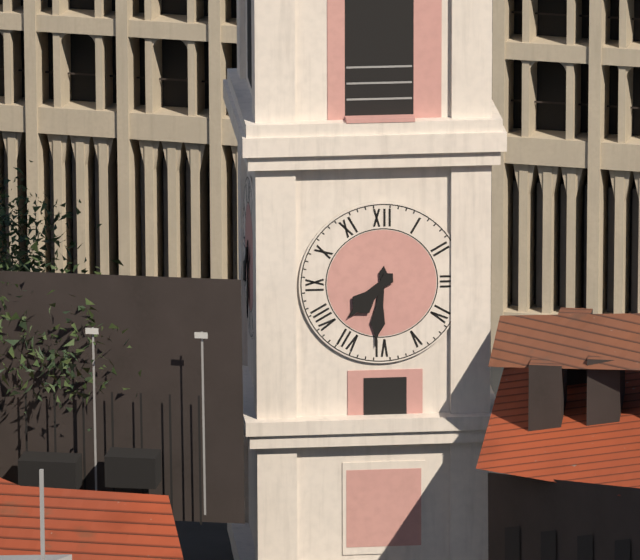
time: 7:31
